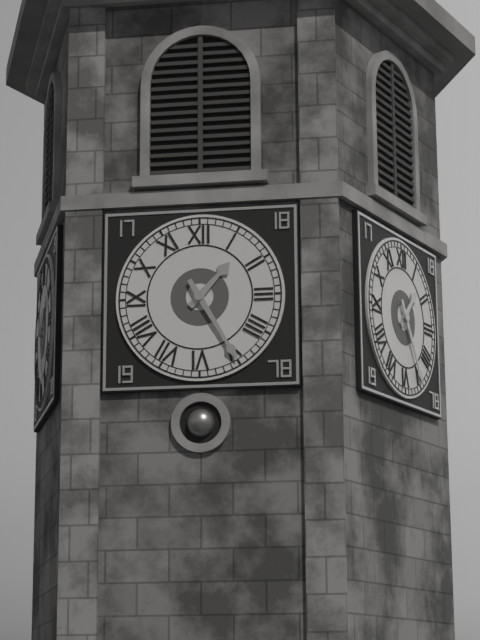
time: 1:25
